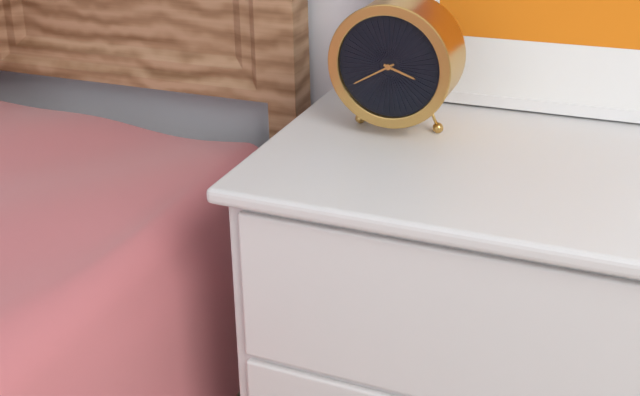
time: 3:40
